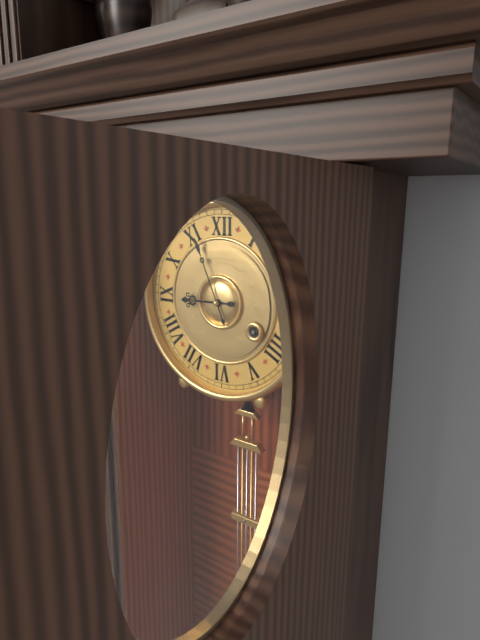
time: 8:56
